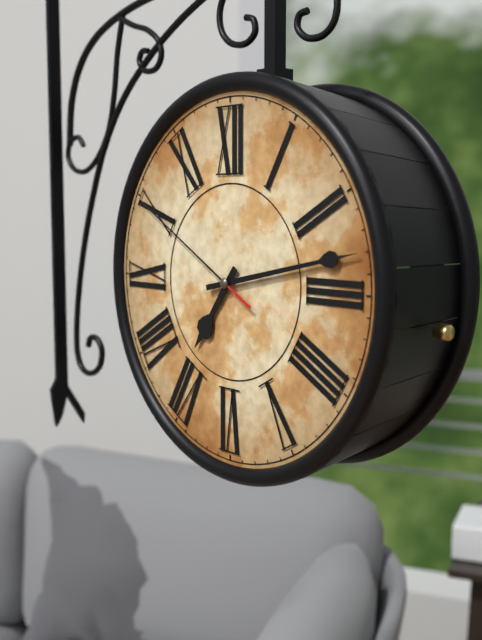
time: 7:13:50
